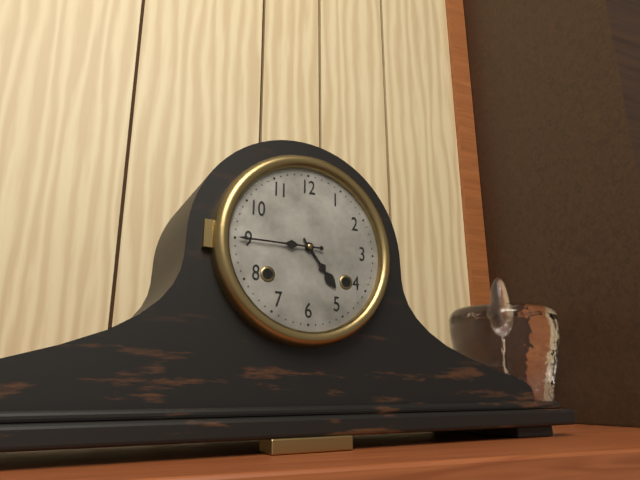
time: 4:45
